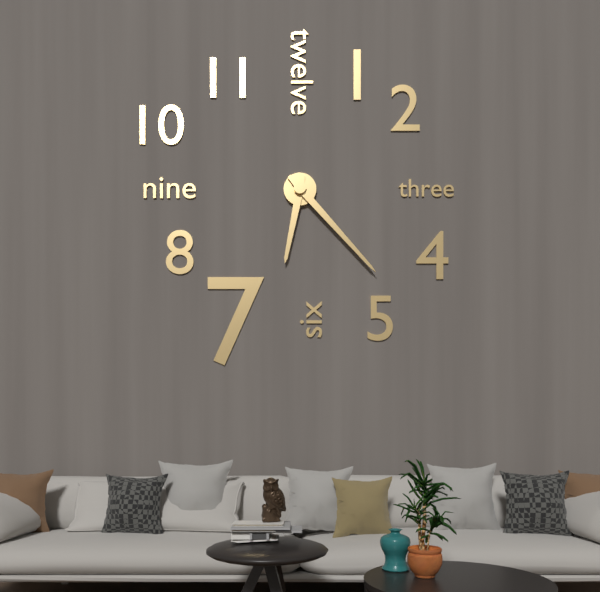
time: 6:23
